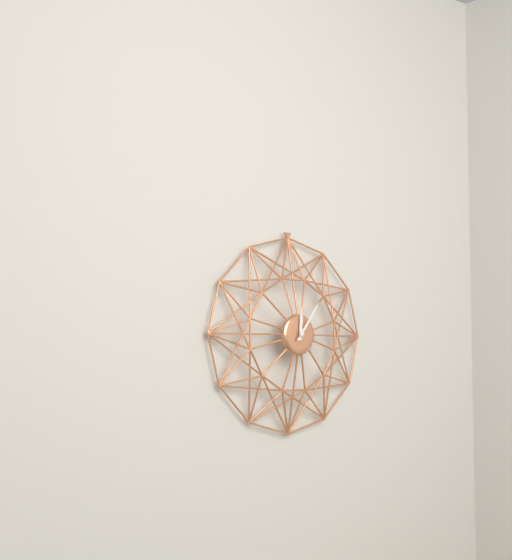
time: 12:06
